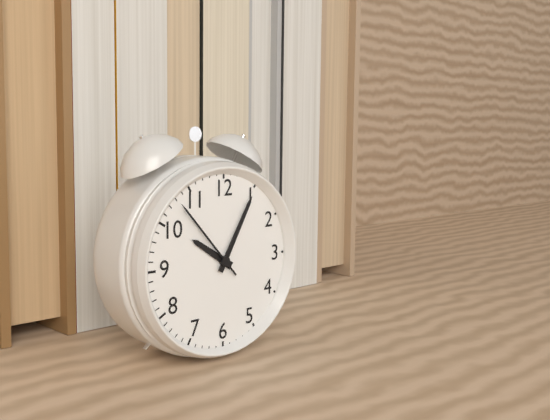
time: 10:05:53
